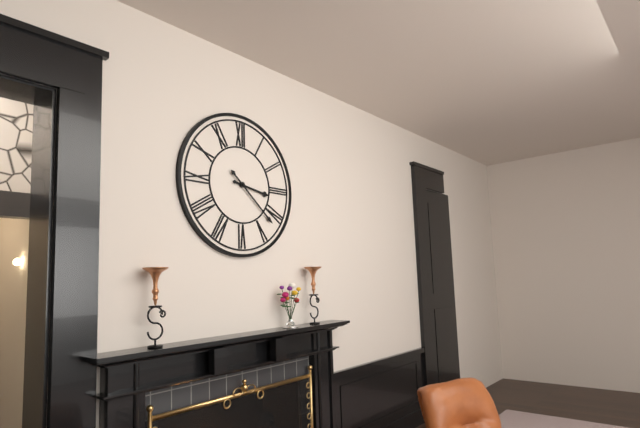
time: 3:22
